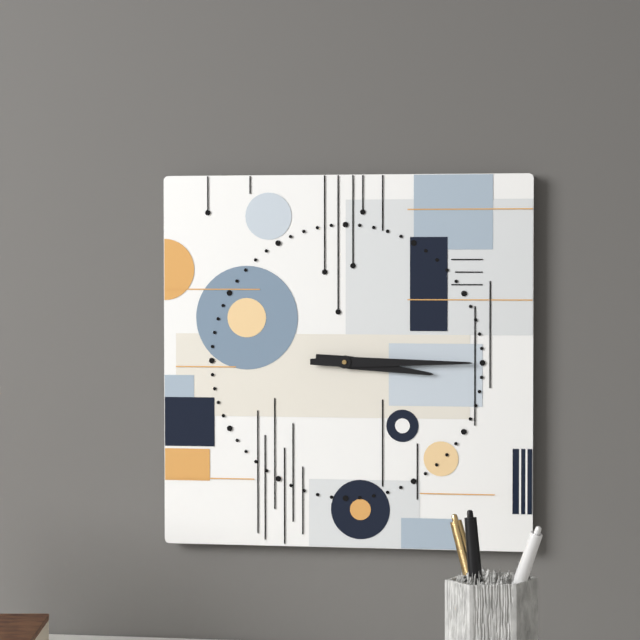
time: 3:15
